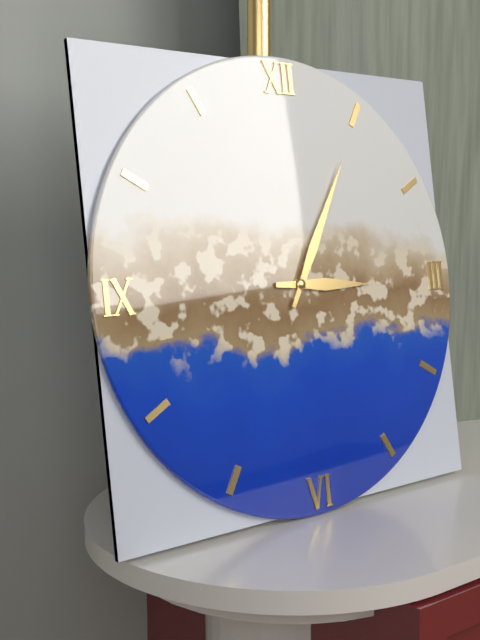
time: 3:05
